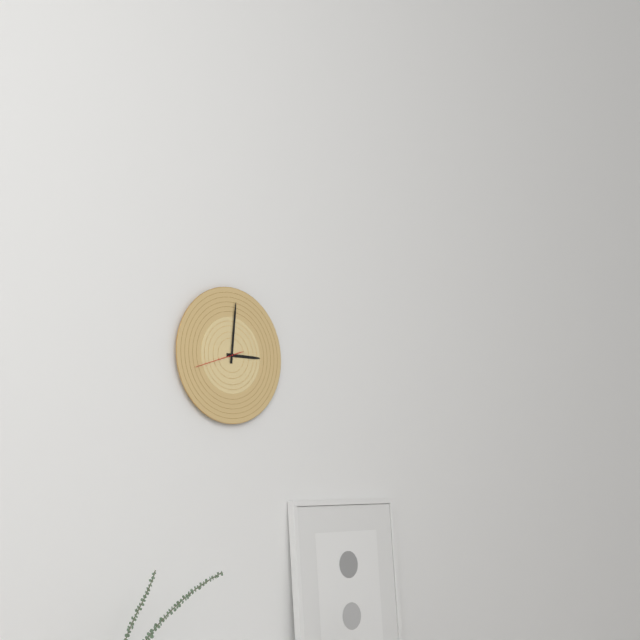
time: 3:01
